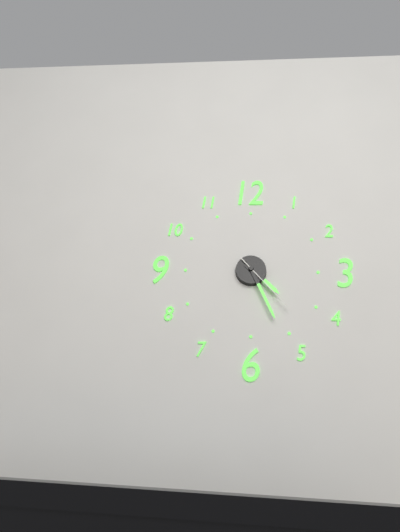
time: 4:26:23
